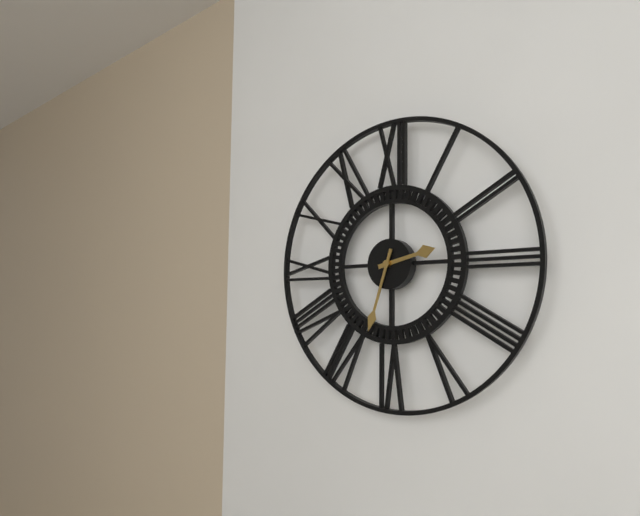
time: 2:33
